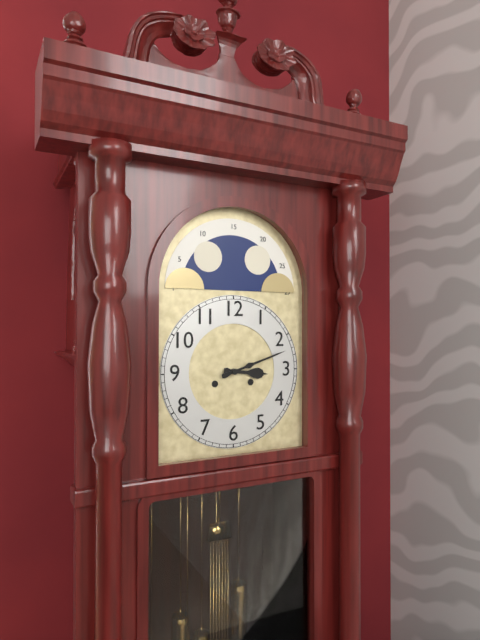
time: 3:12
